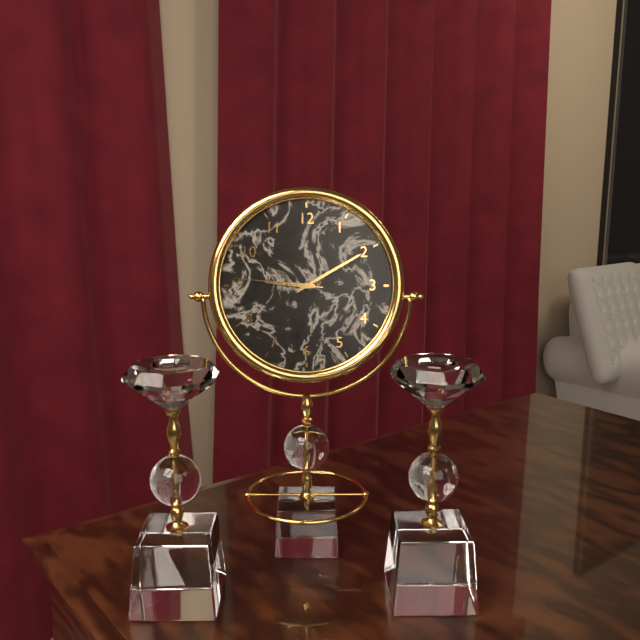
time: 9:10:46
